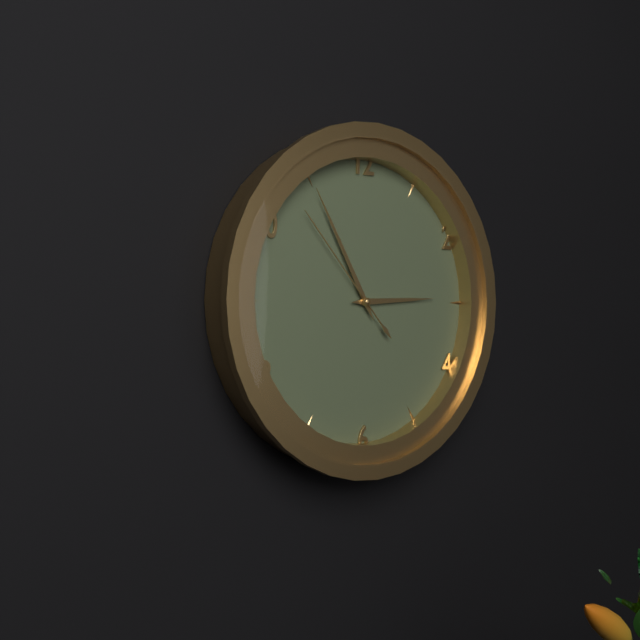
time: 2:55:53
